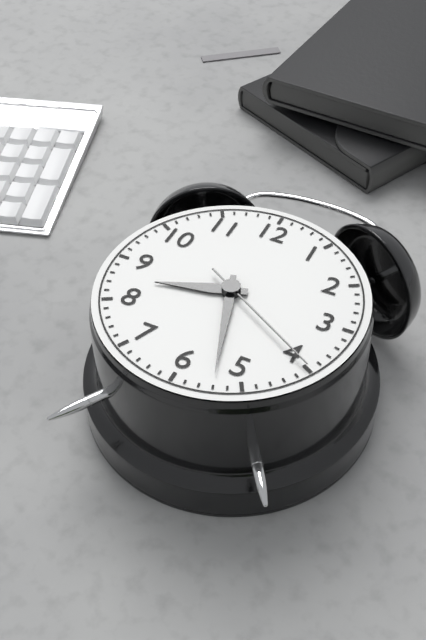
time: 8:27:20
